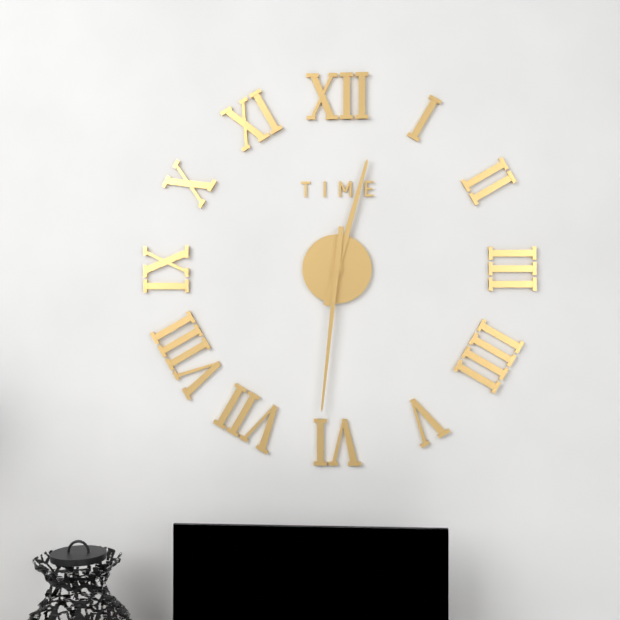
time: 12:31
